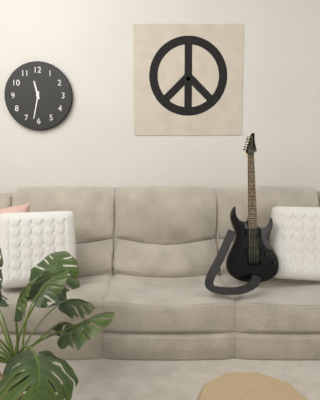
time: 11:32
